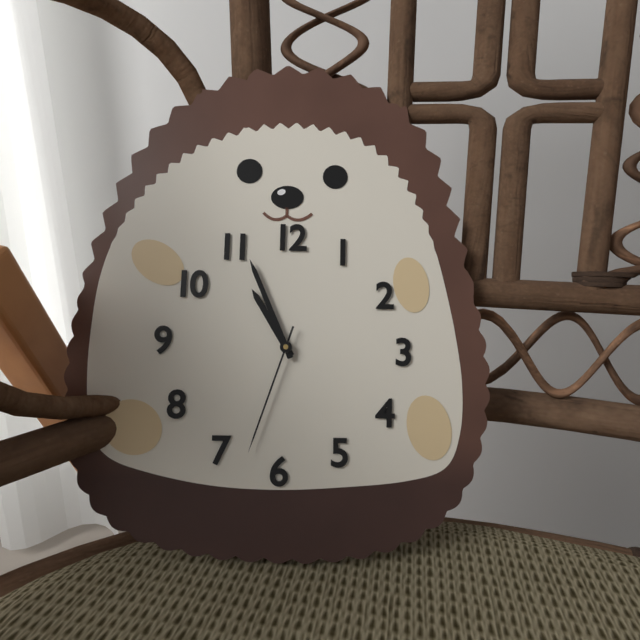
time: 10:56:33
